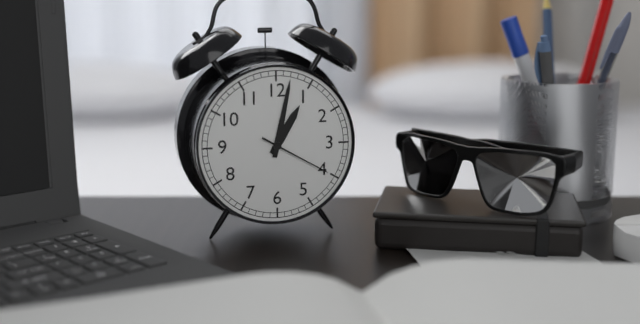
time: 1:02:20
